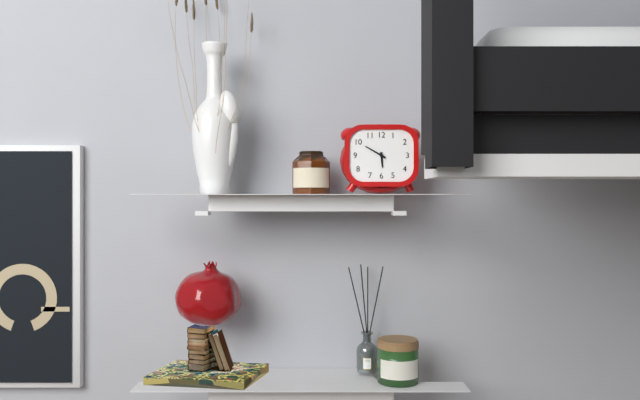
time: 5:50
